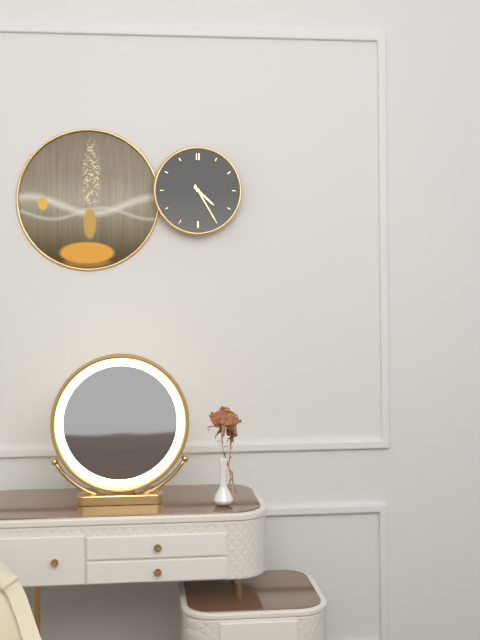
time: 4:25
